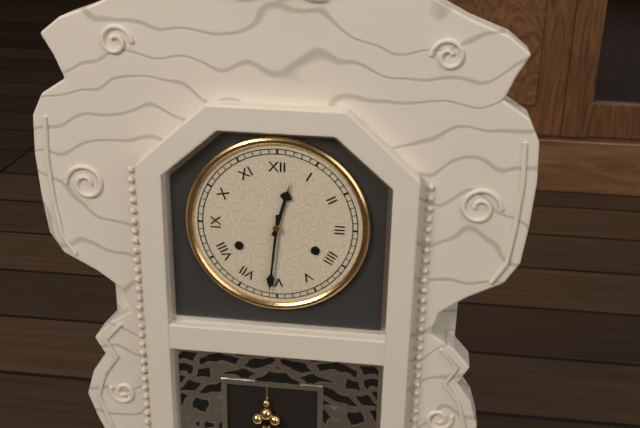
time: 12:31
